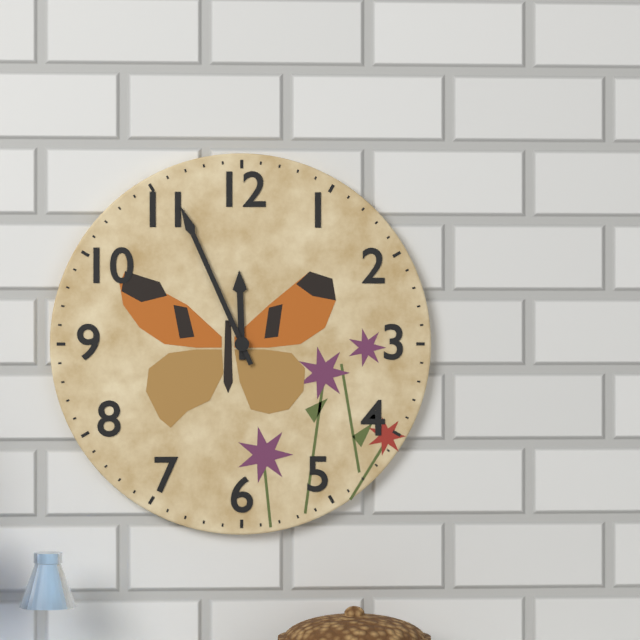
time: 11:56
